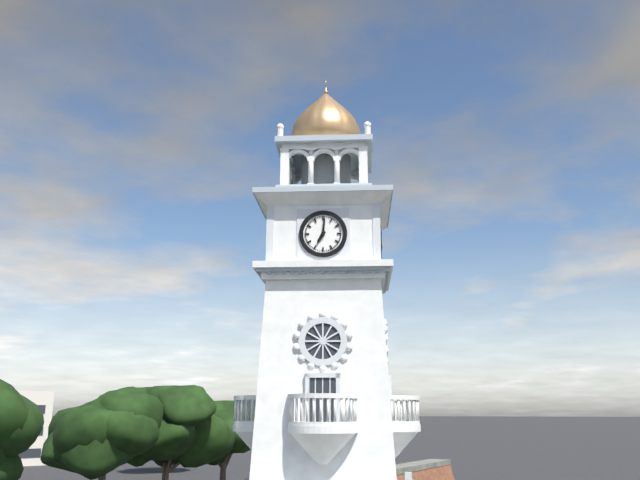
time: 7:01
